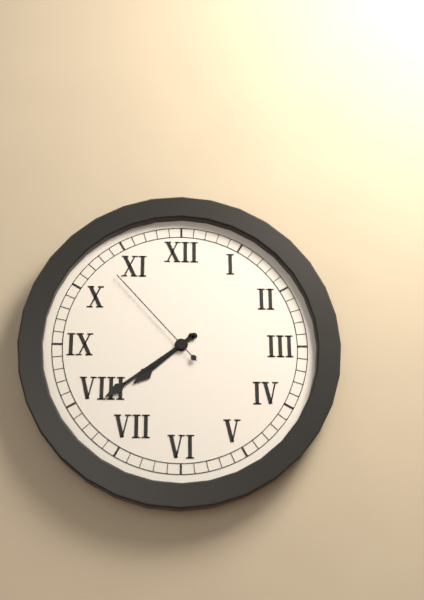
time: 7:39:53
